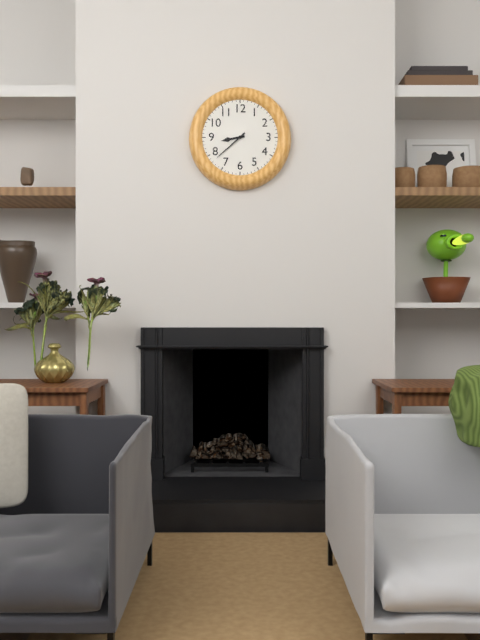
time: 8:38
